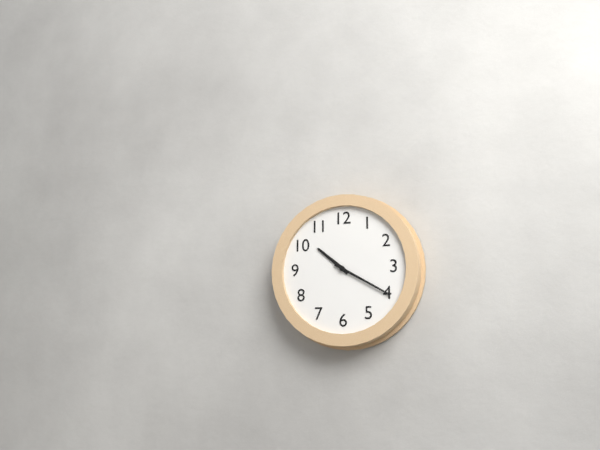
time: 10:20
